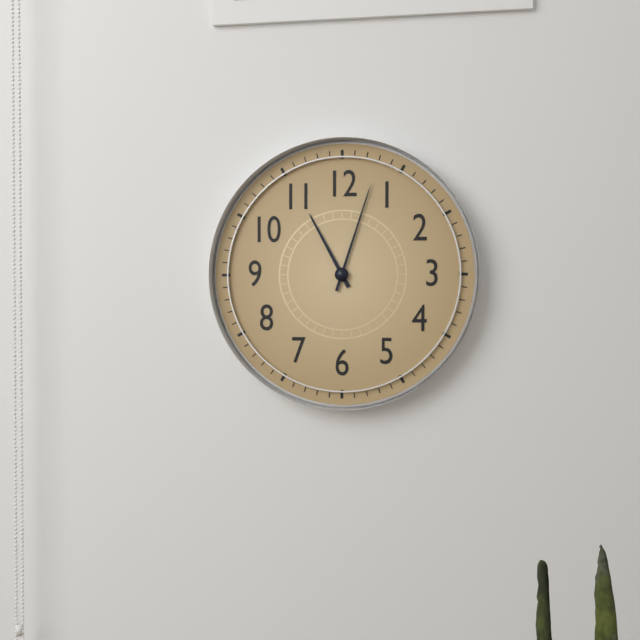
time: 11:03
